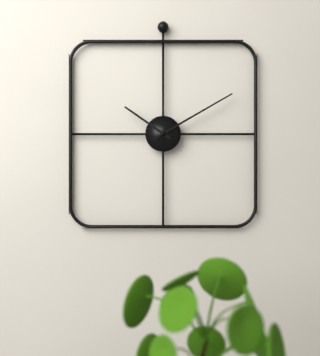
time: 10:10
